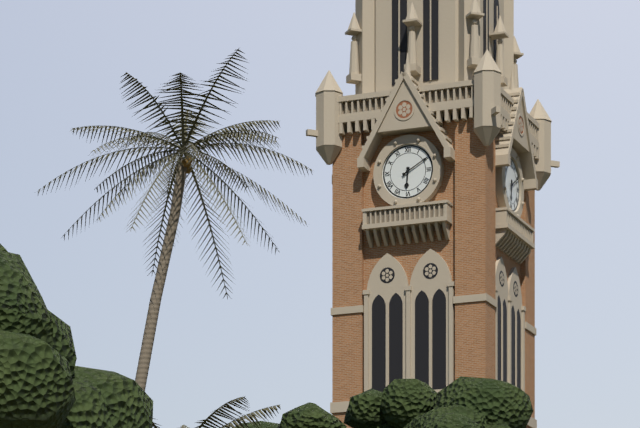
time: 6:10
